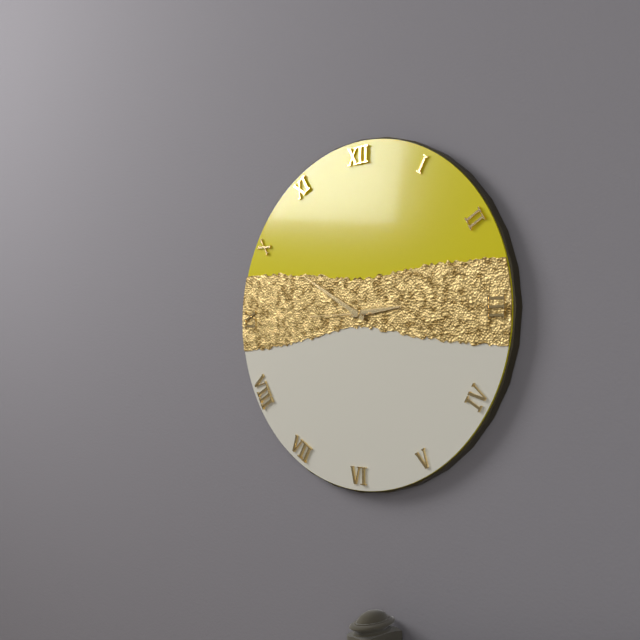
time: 2:50:45
